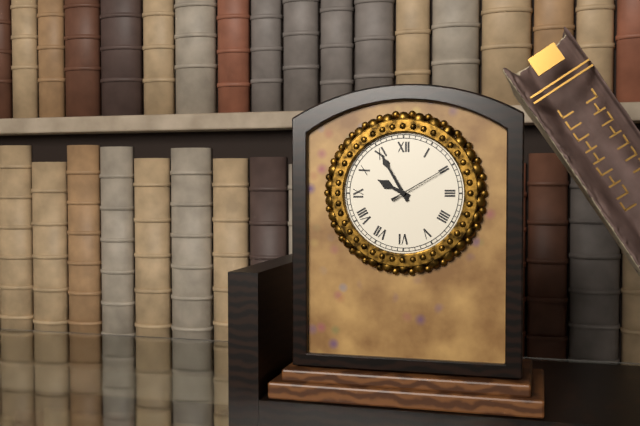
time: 9:55:10
